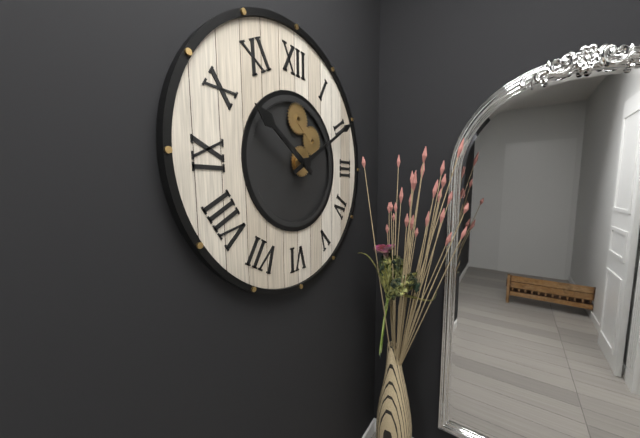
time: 10:10
